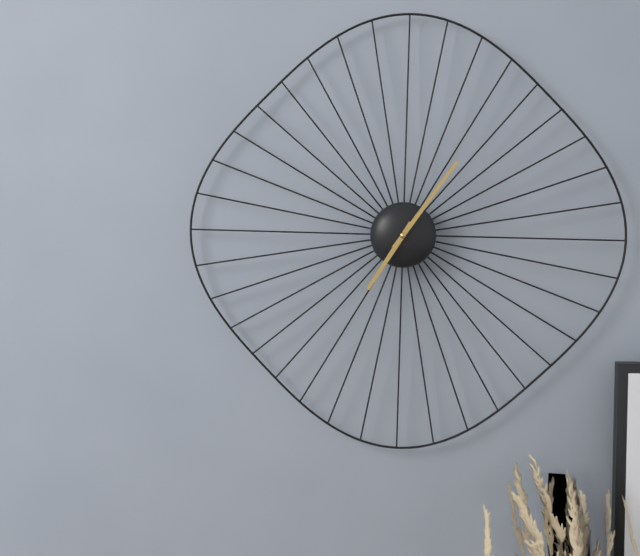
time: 7:06
